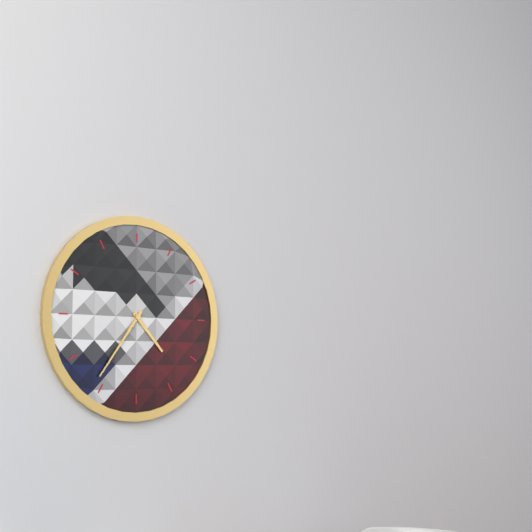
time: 4:36
